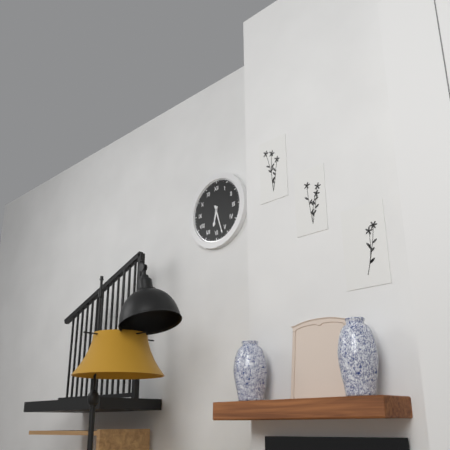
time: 6:27
